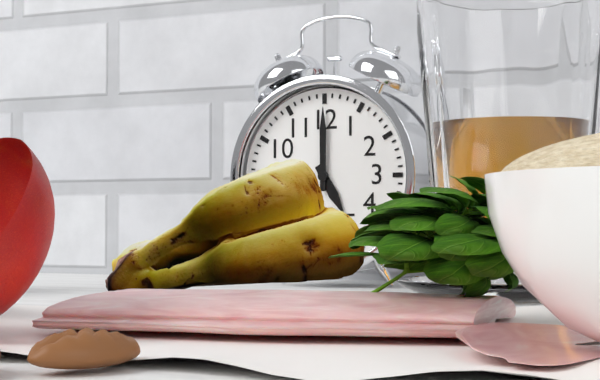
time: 5:00
